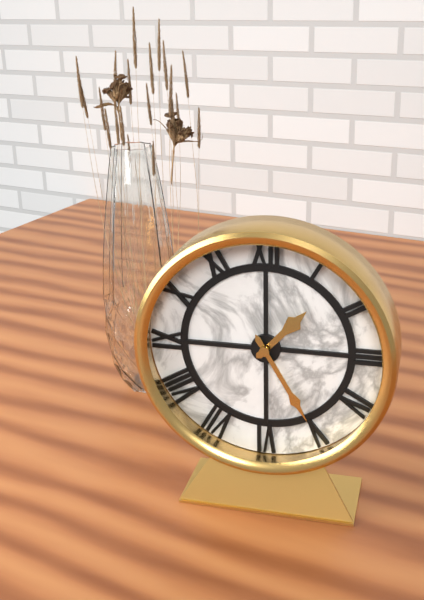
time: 1:25
